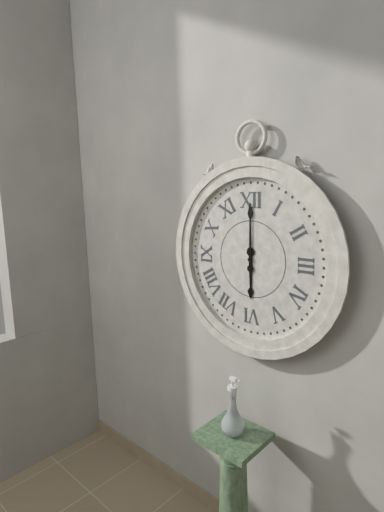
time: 6:00
